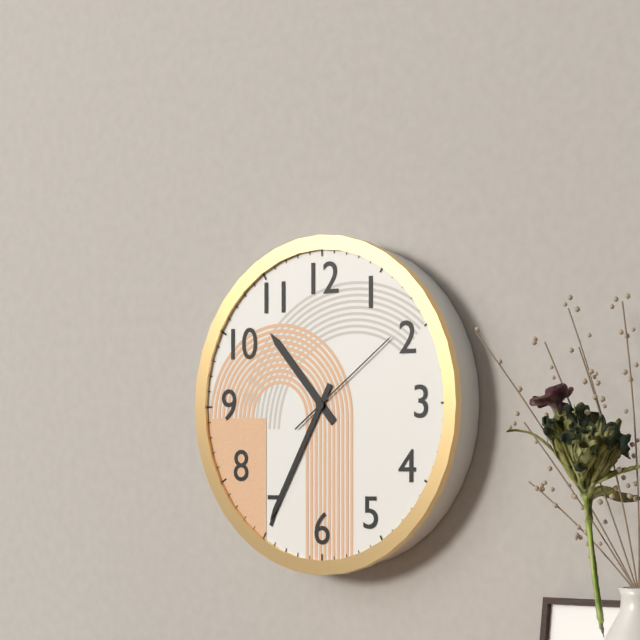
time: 10:35:09
